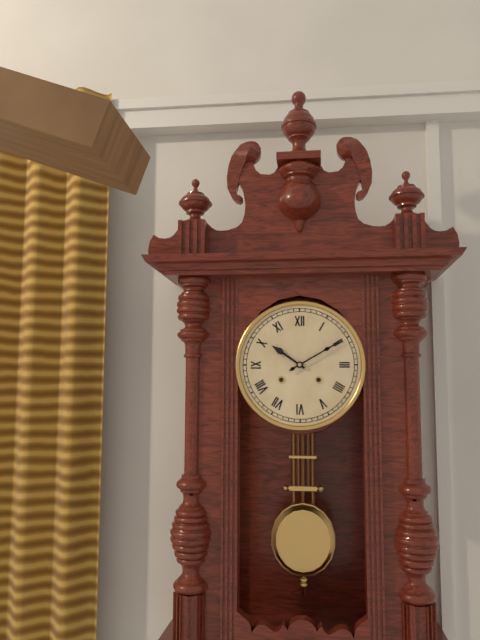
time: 10:10
